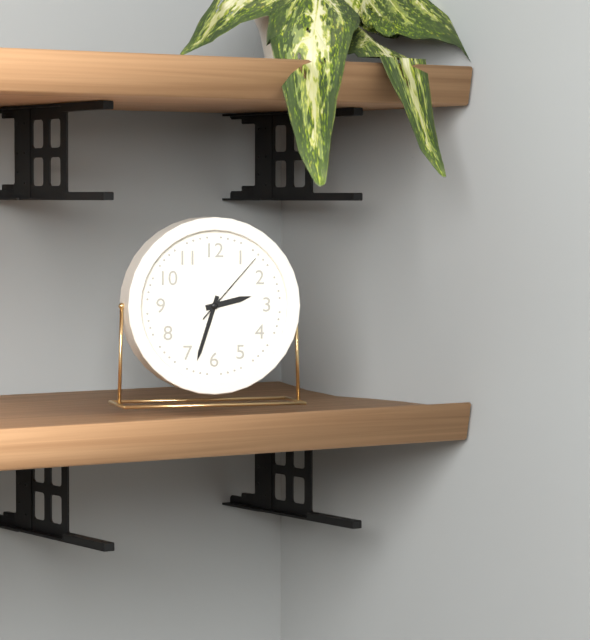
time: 2:33:07
